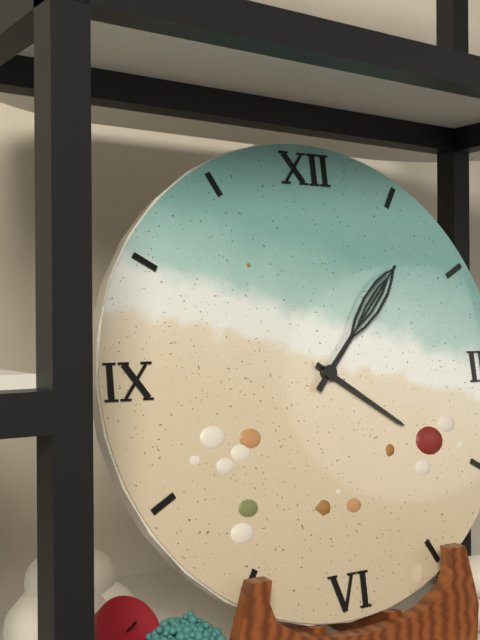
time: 4:07
